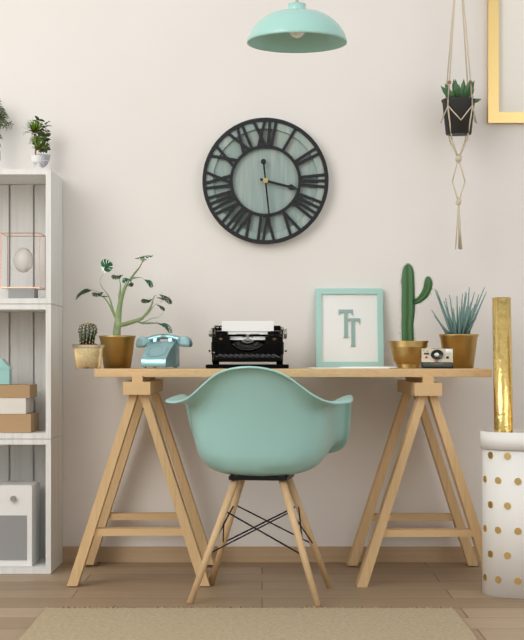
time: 3:29
